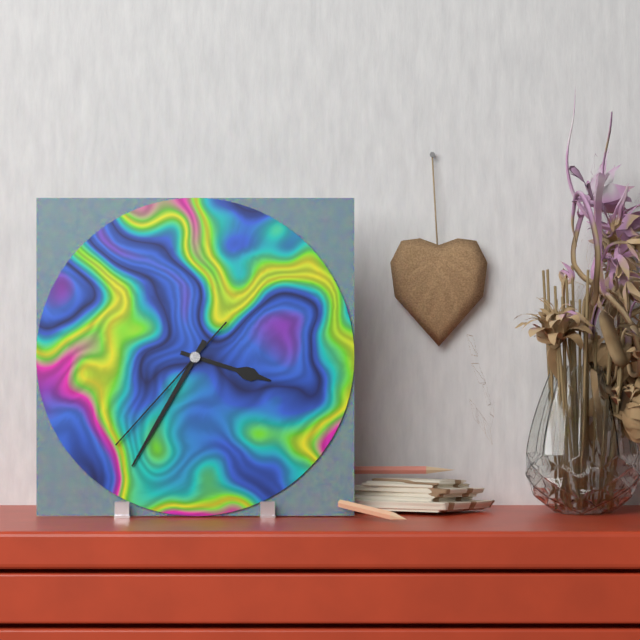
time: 3:35:37
